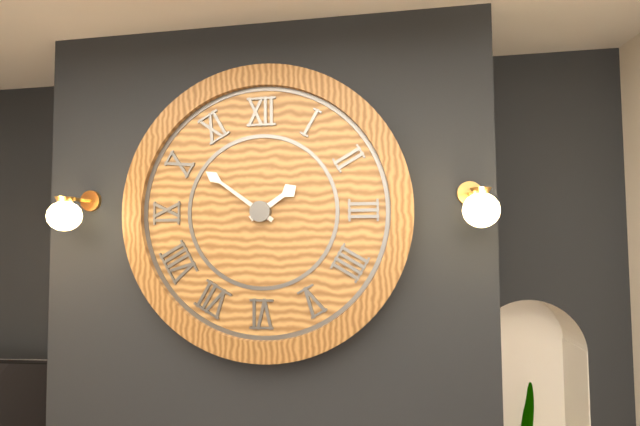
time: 1:51
